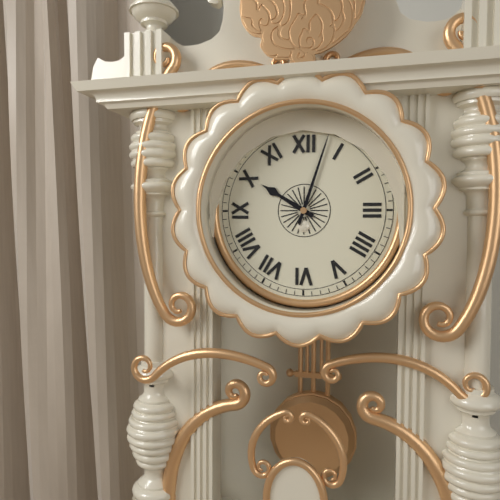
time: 10:03
